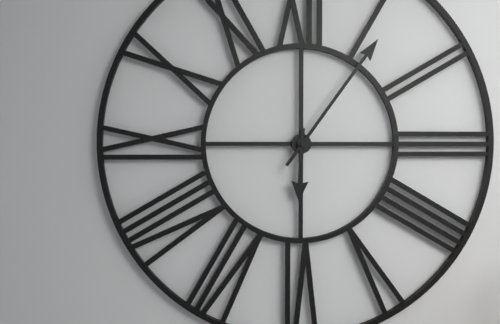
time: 6:06
